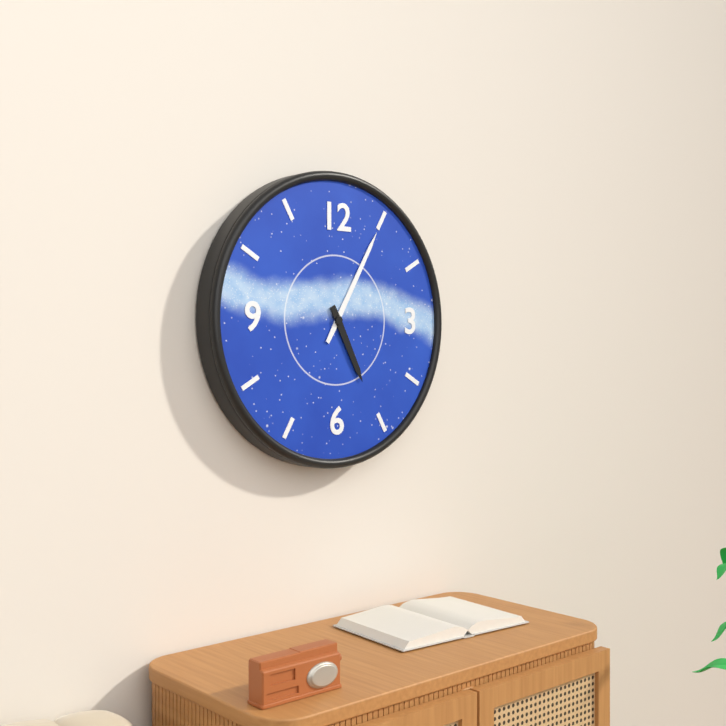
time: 5:05
